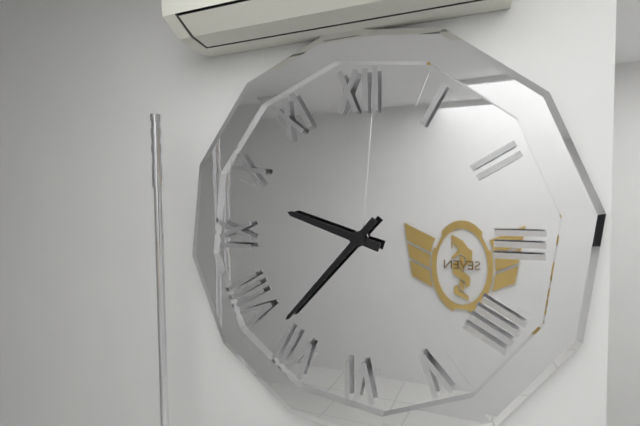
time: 9:37
